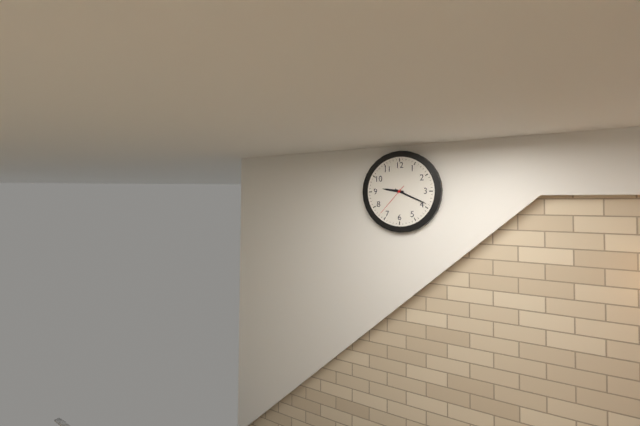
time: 9:19
